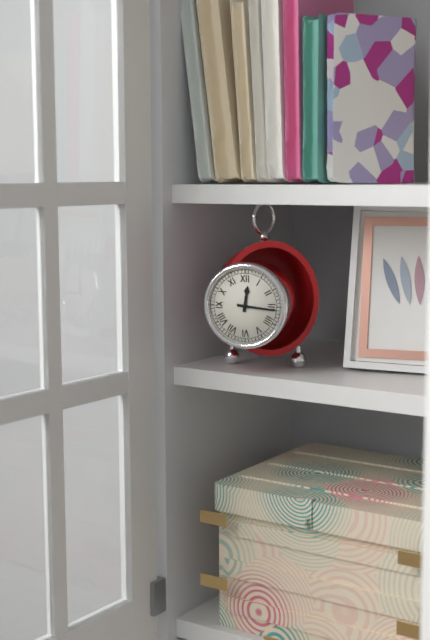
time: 12:16
